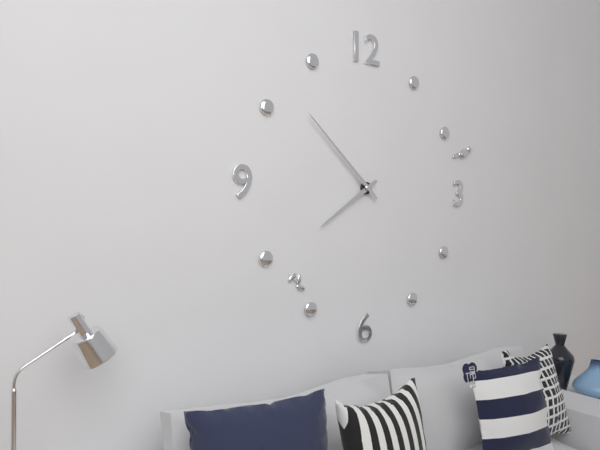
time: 7:52
